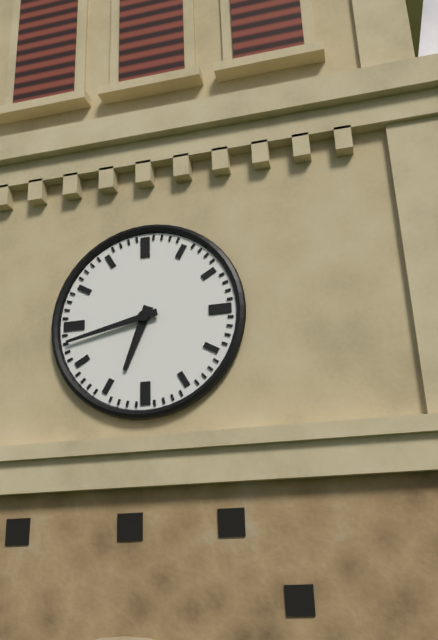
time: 6:43
